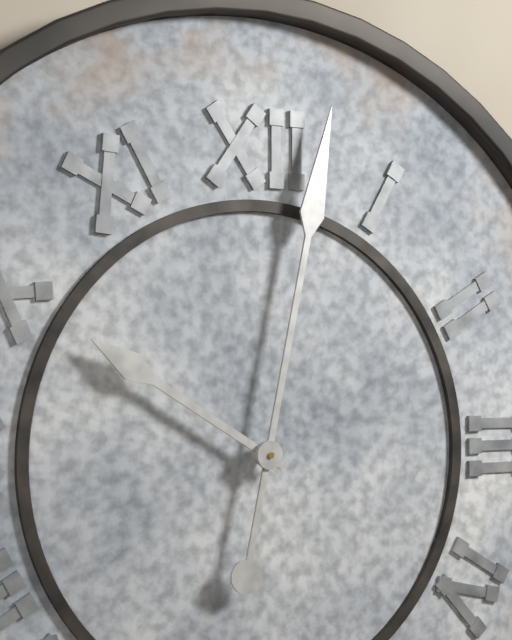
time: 10:02
